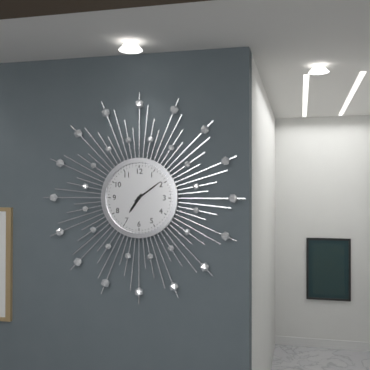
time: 7:09
